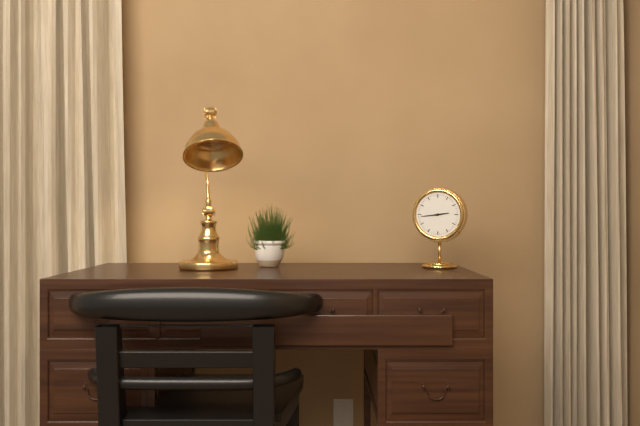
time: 2:44
